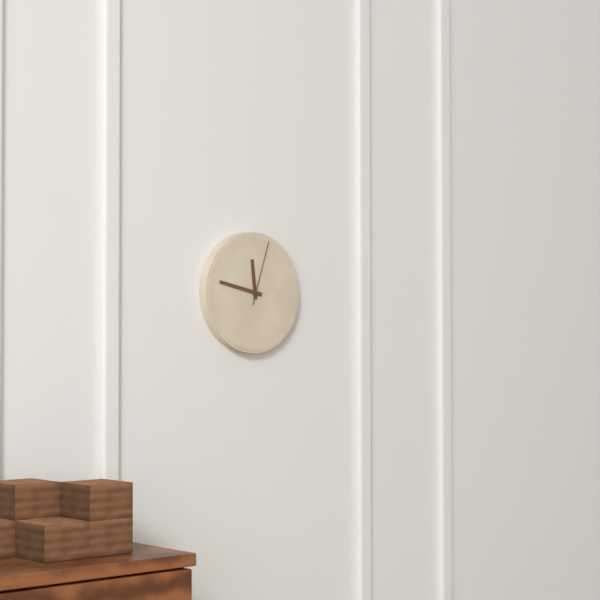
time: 11:47:03
